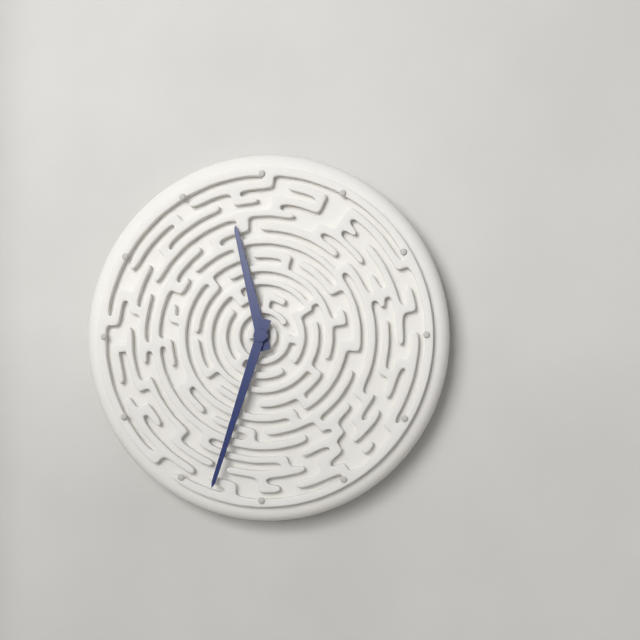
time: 11:33
